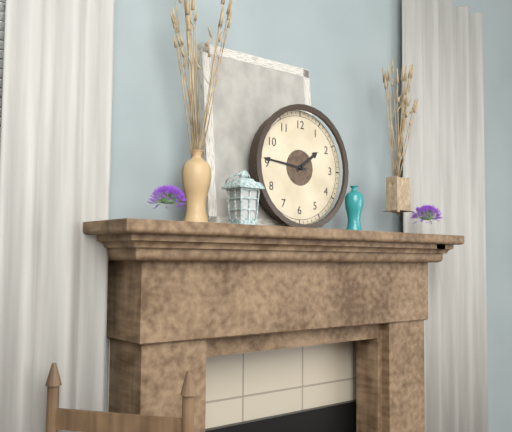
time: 1:46
